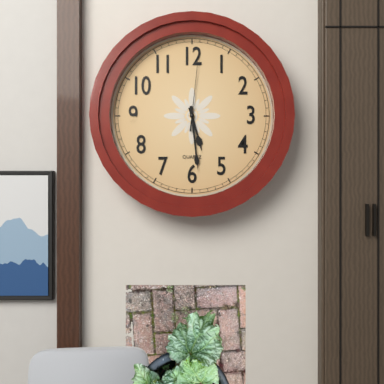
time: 5:29:01
